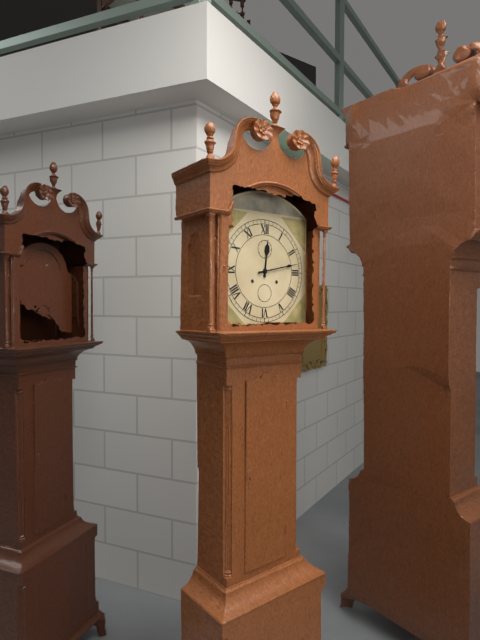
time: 12:13
